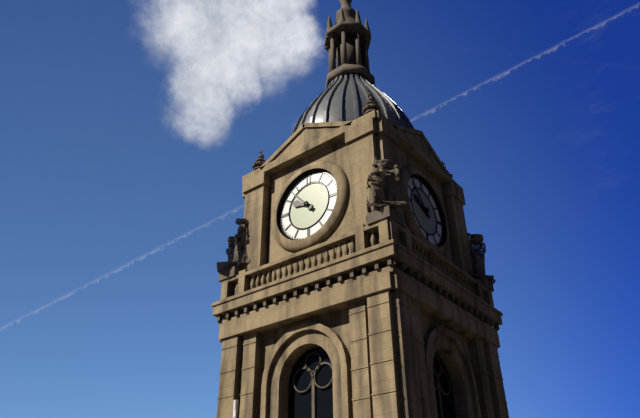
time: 9:53
